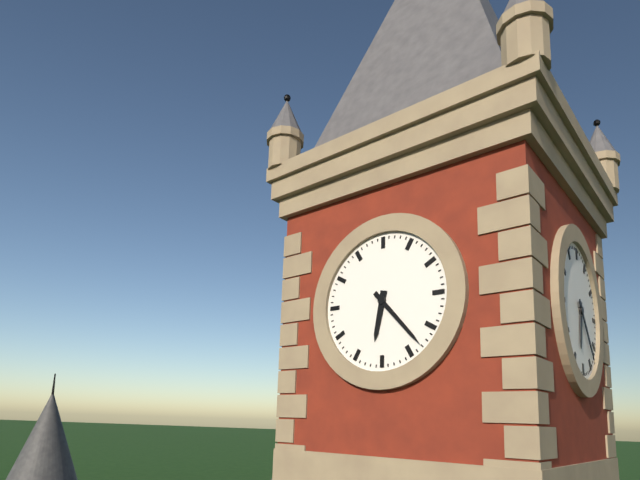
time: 6:23
